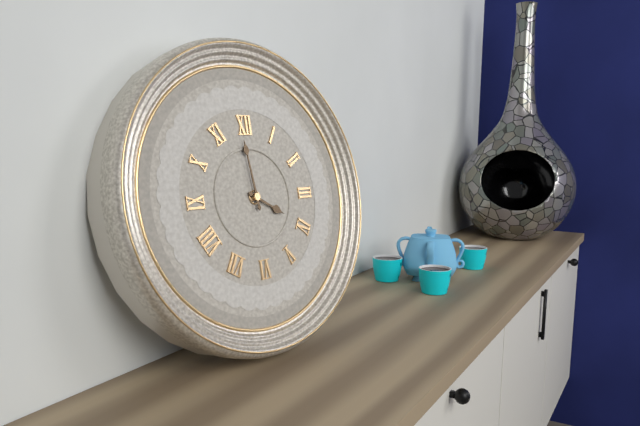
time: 3:59
